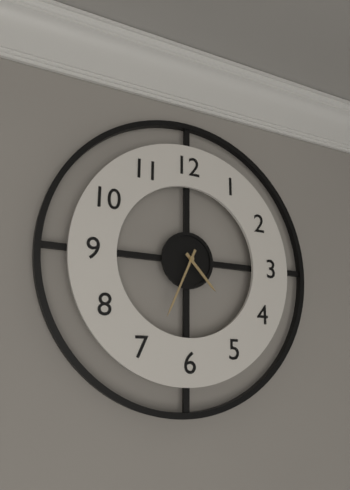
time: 4:34
